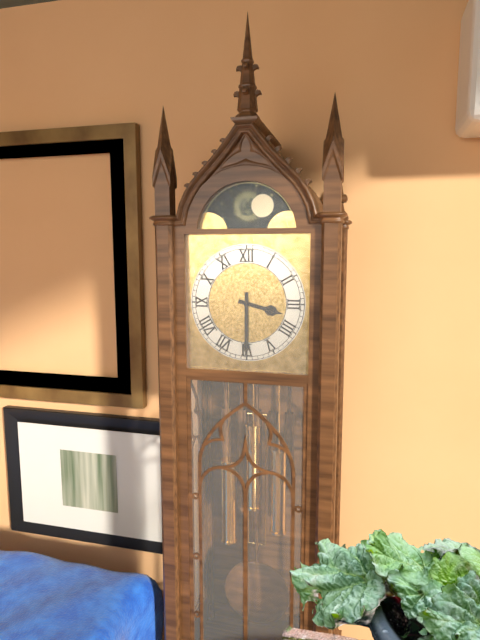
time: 3:30
